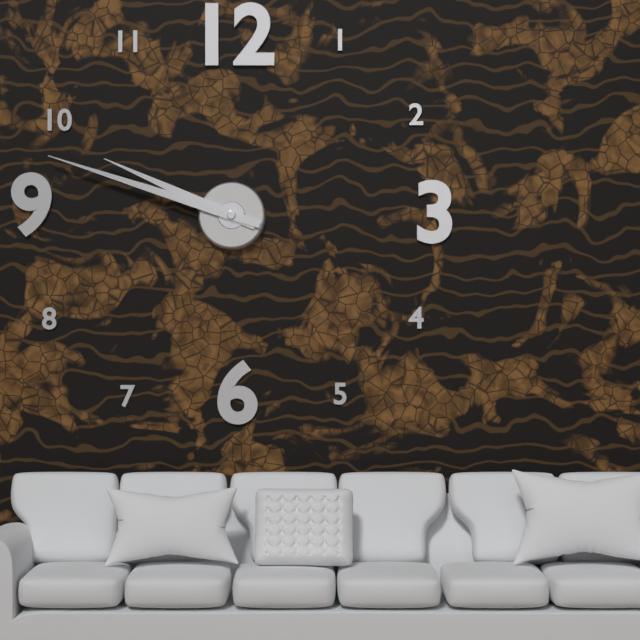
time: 9:48
